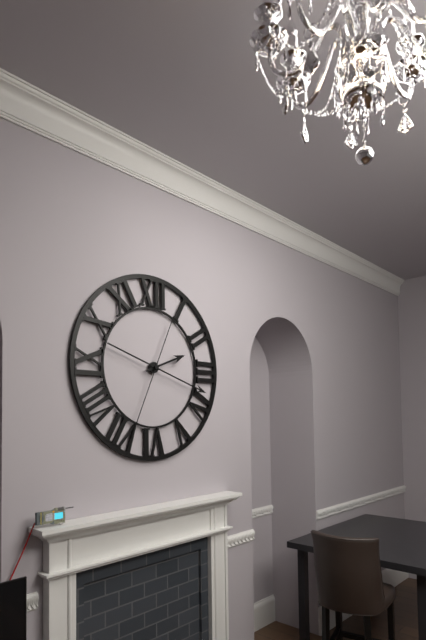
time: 2:18:34
